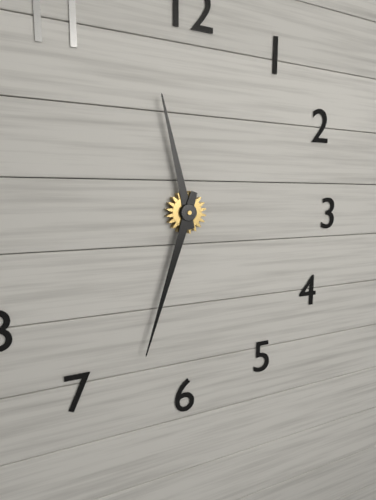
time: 11:33
